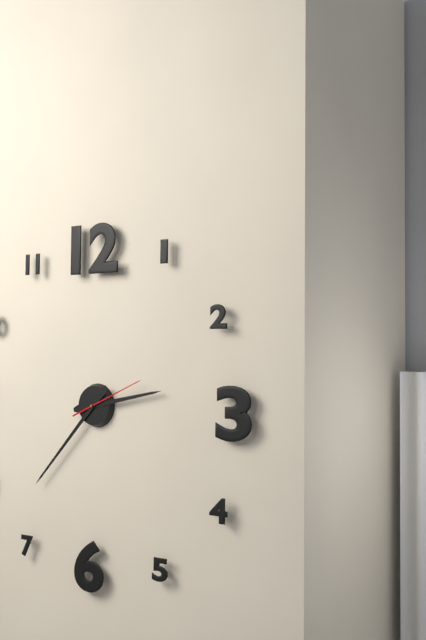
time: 2:37:11
